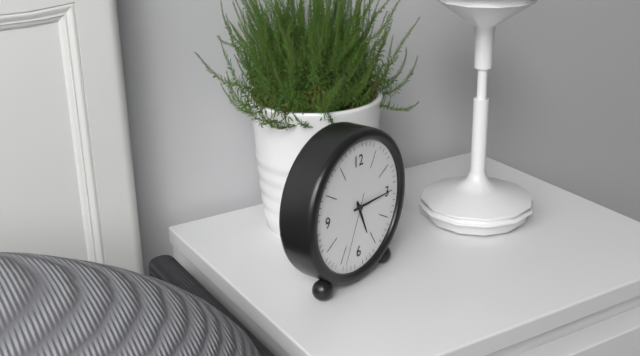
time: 5:15:34
